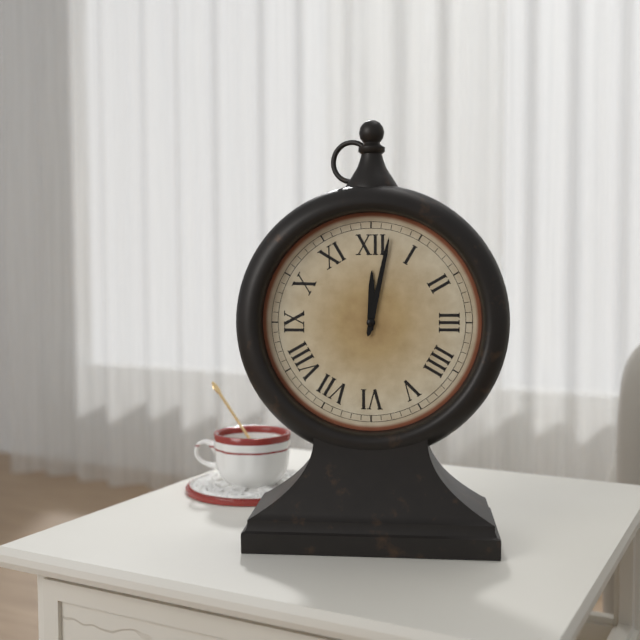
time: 12:02
